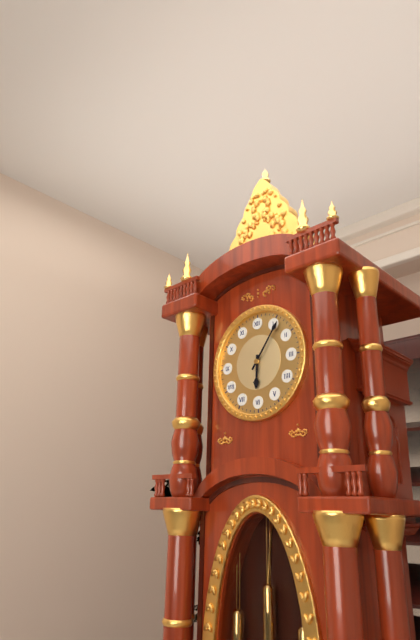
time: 6:06
